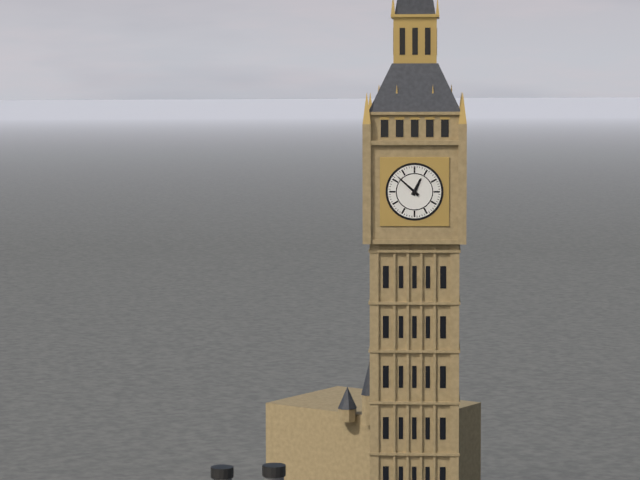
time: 12:52
